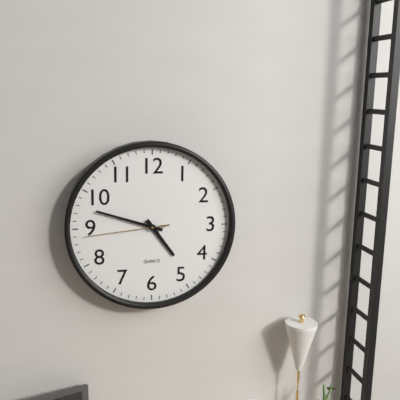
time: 4:48:44
